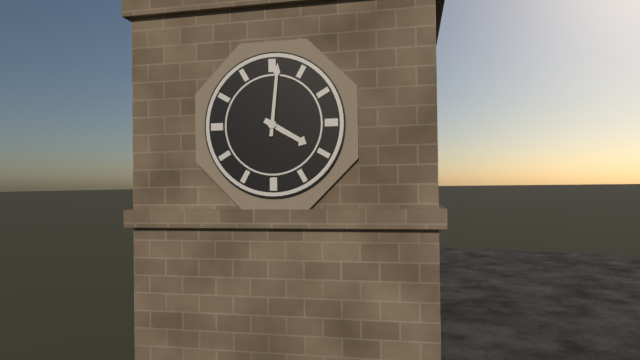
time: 4:01
